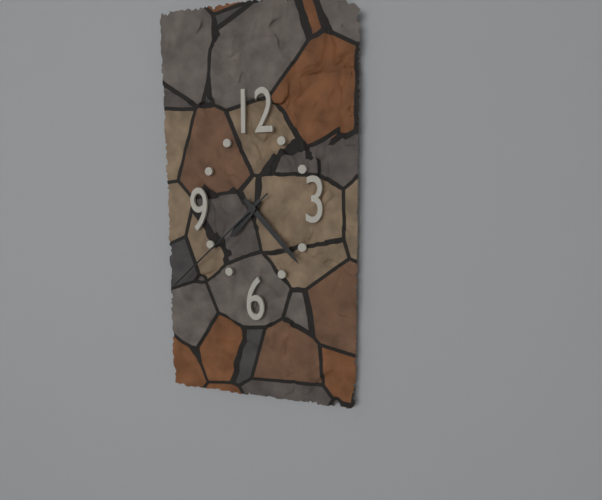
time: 7:23:38
